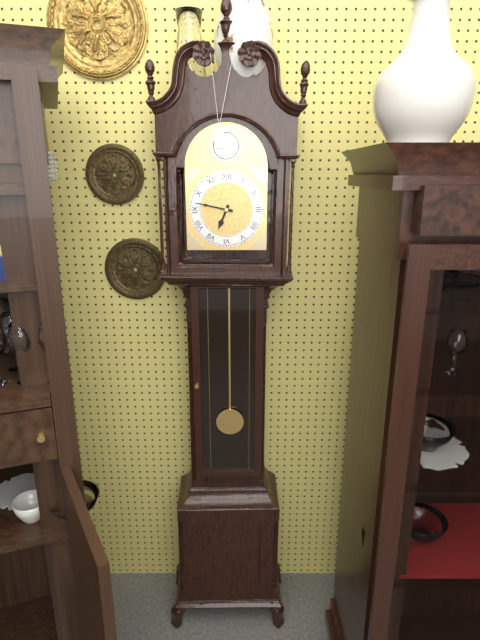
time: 6:47
